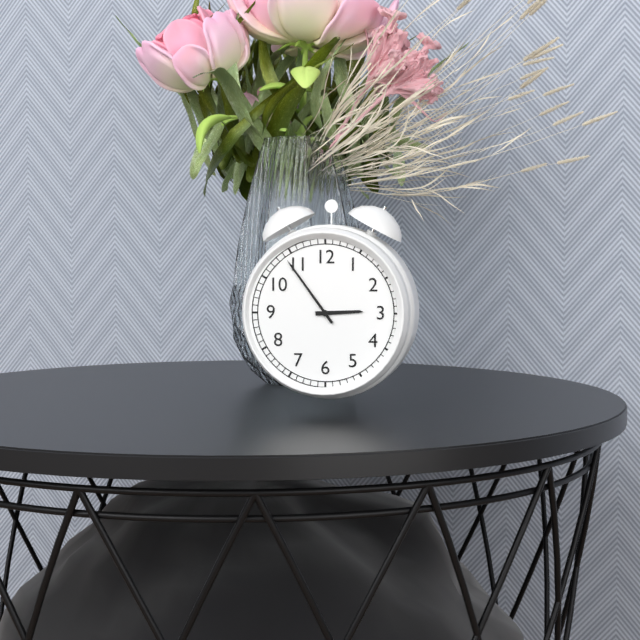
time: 2:54
